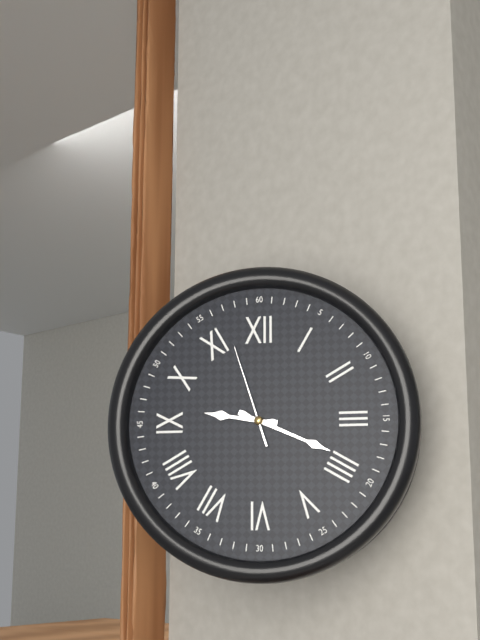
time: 9:19:57
